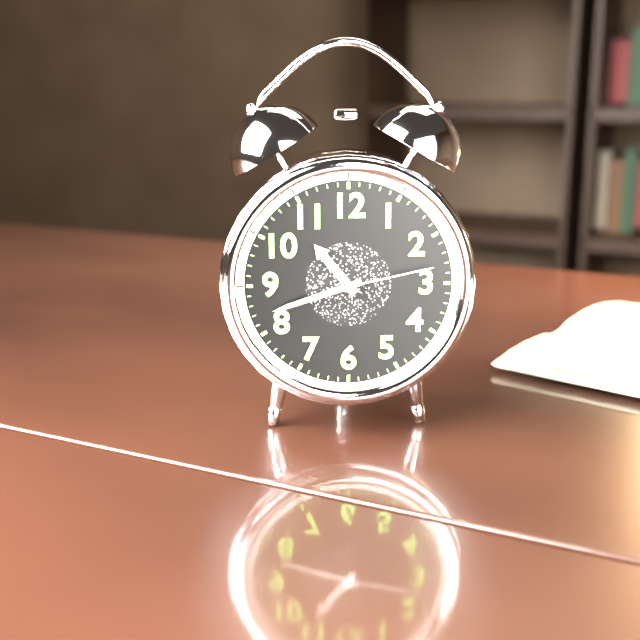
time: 10:42:13
